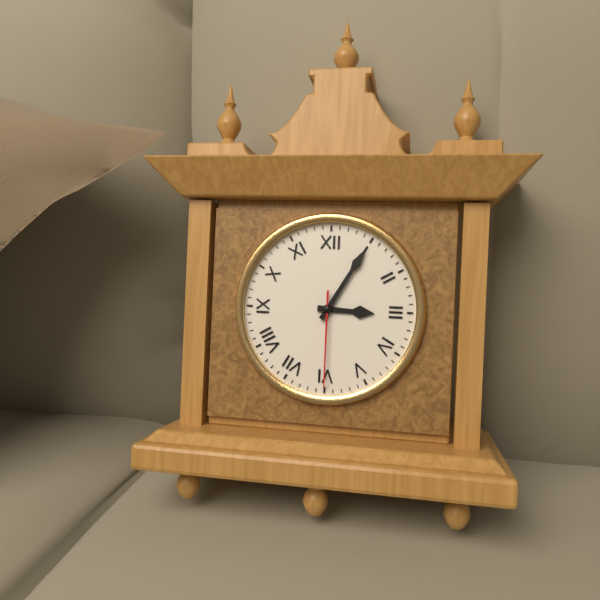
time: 3:05:30
